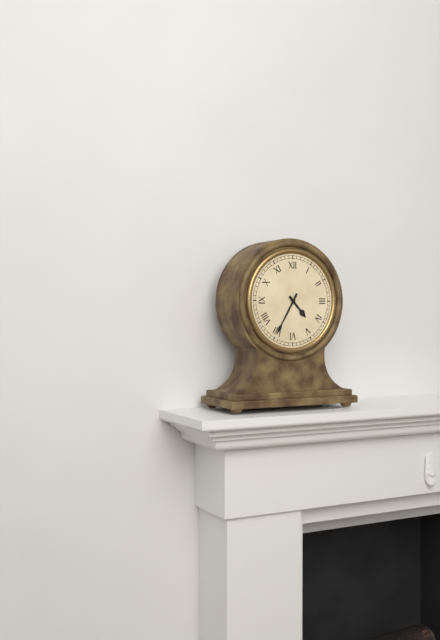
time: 4:35
